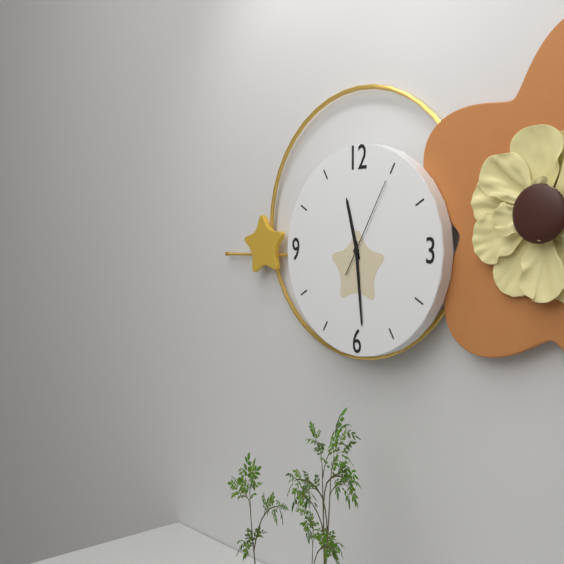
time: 11:29:05
